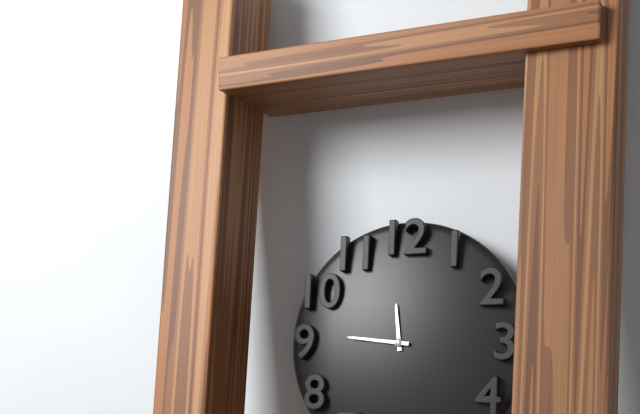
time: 11:46
